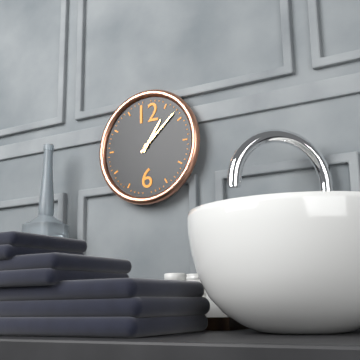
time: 1:08
